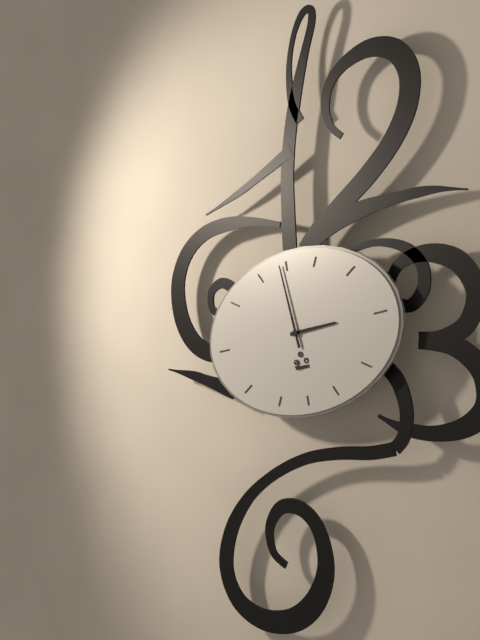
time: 2:59
